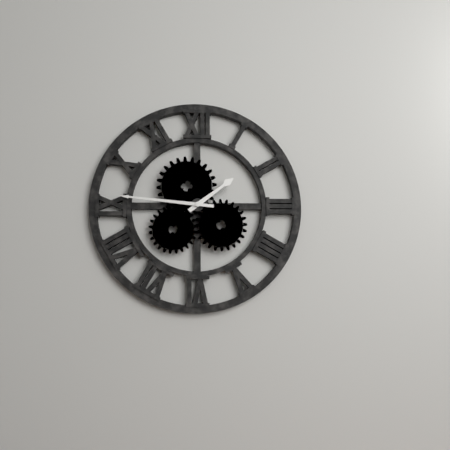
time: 1:46
